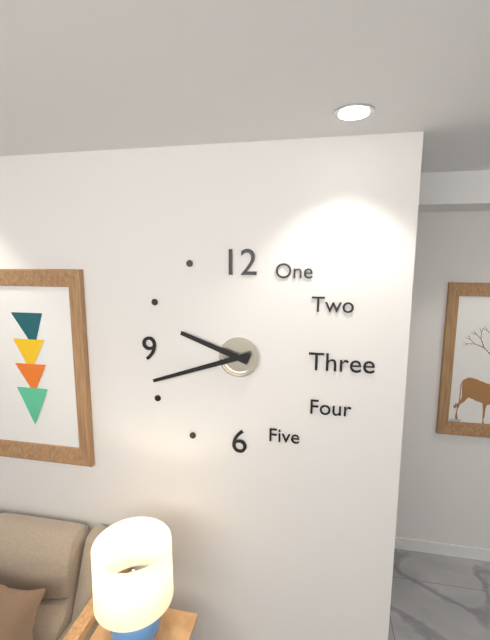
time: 9:42
